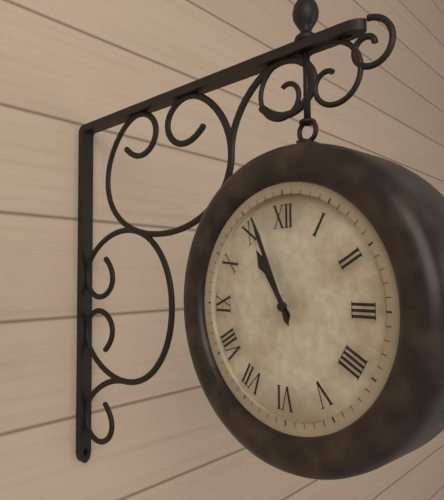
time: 10:56
